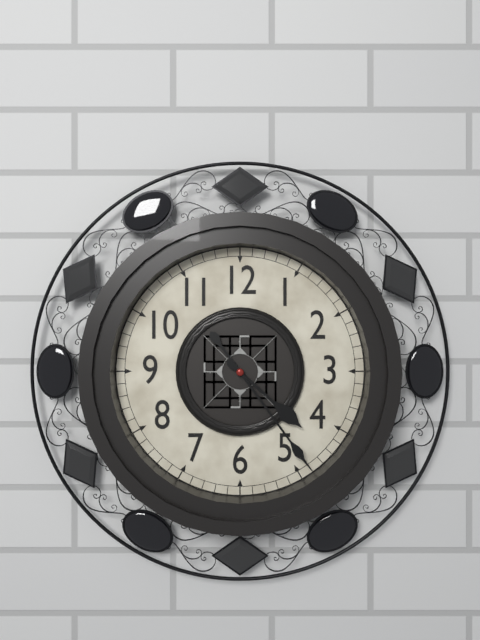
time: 4:24
